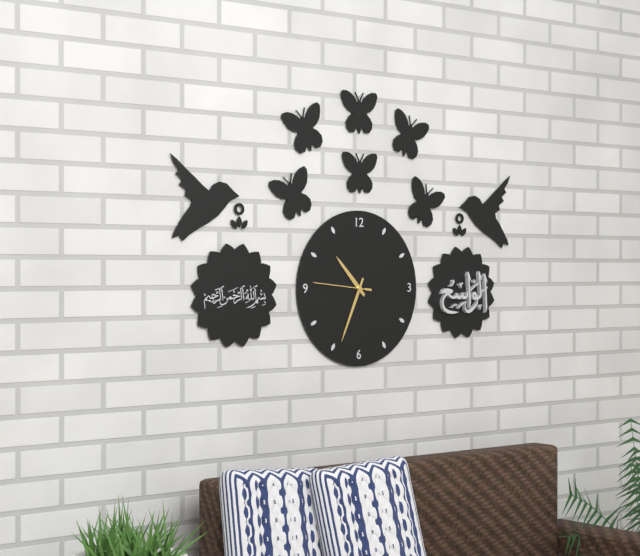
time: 10:34:46
